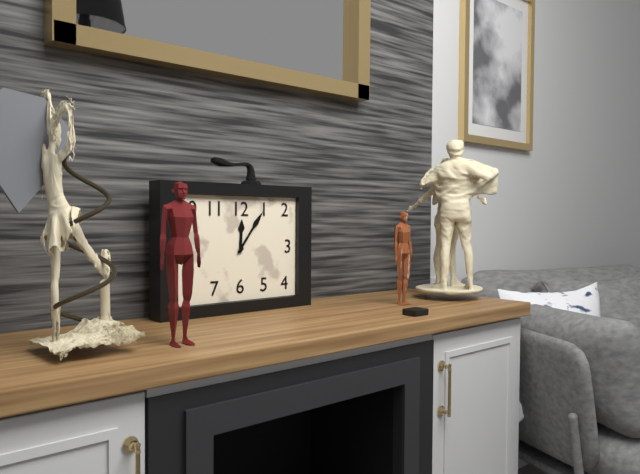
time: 12:06
